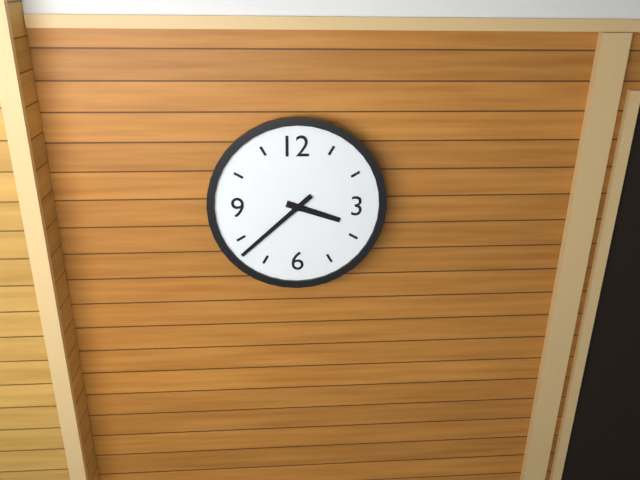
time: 3:38
